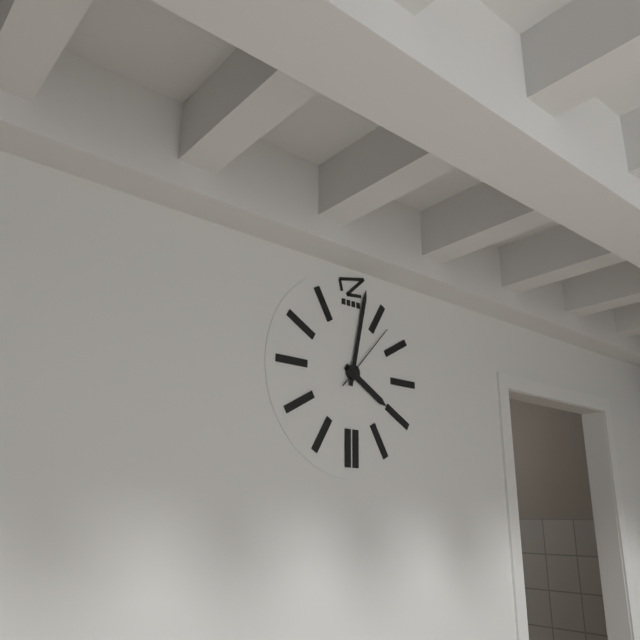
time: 4:02:07
